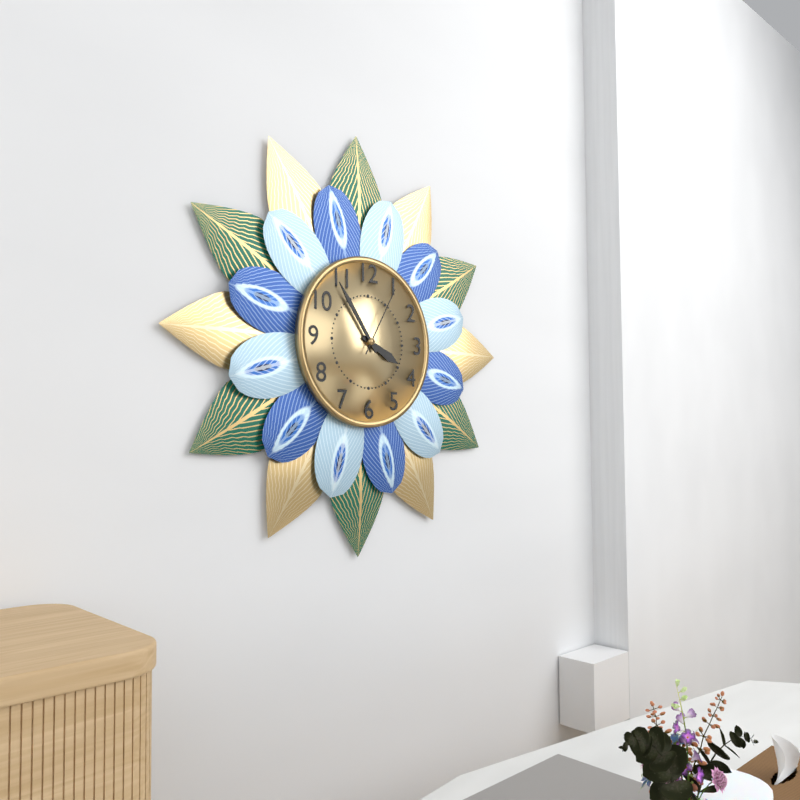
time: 3:54:05
